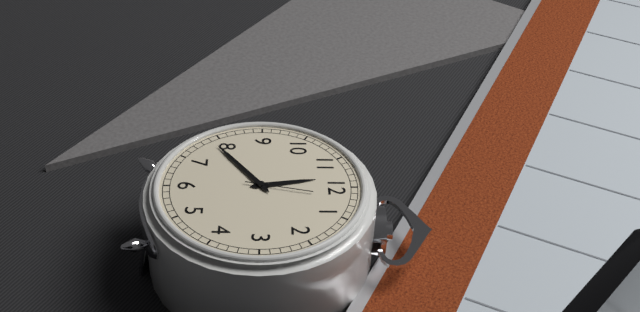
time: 11:39:02
